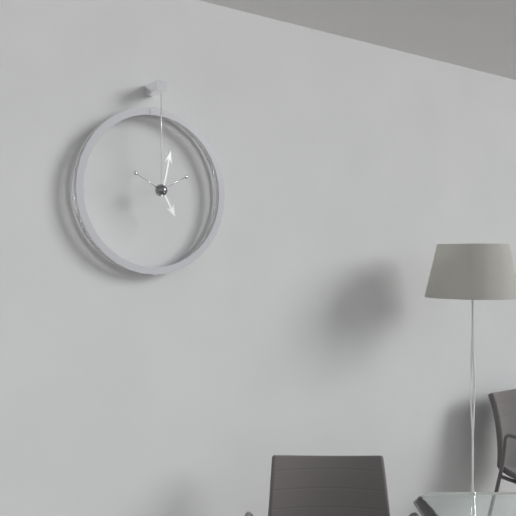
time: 5:02
